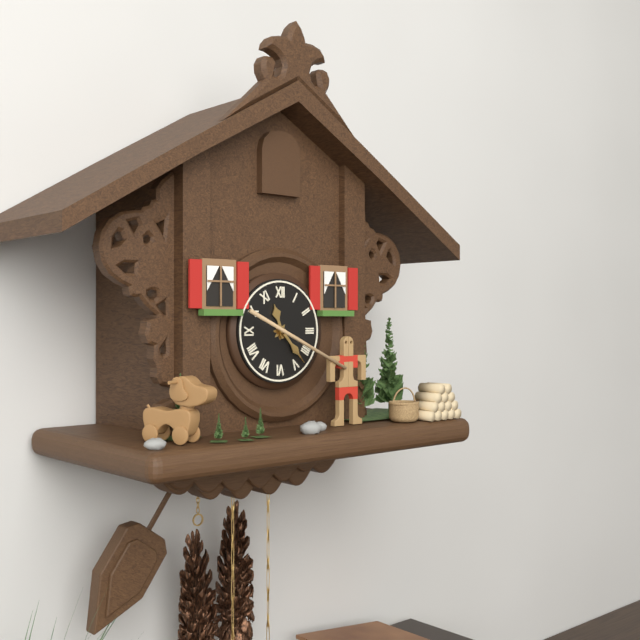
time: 11:23
